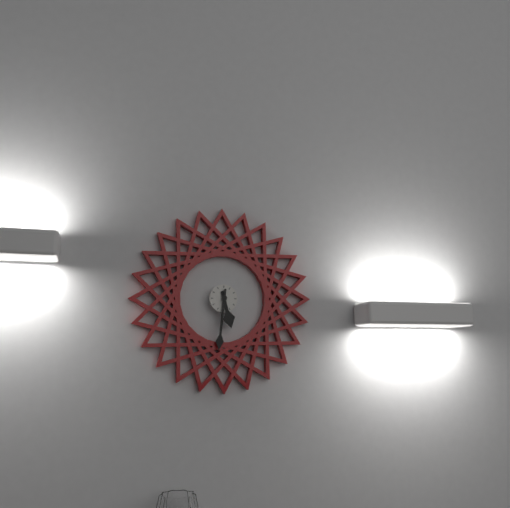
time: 5:31
